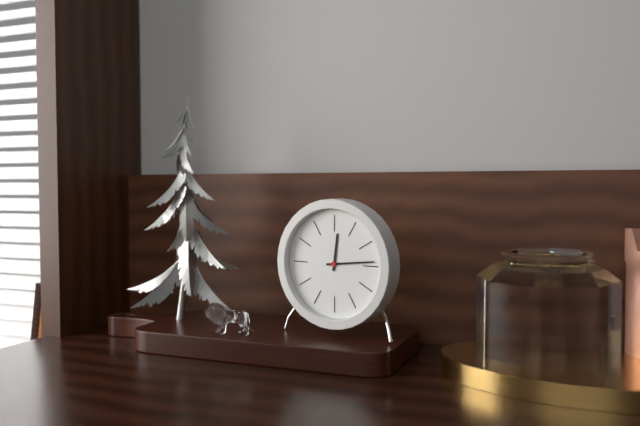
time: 12:14
